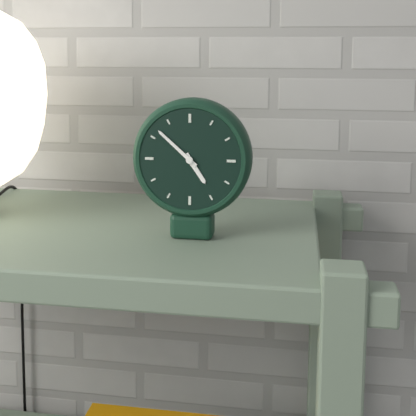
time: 4:52
